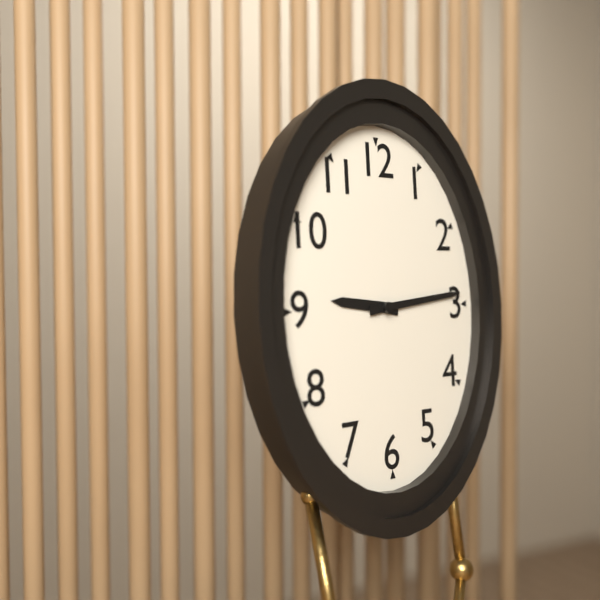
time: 9:14
